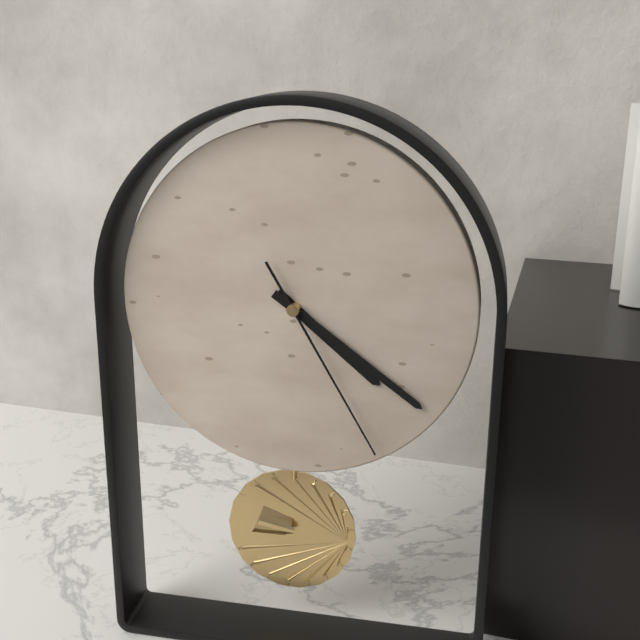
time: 4:21:25
